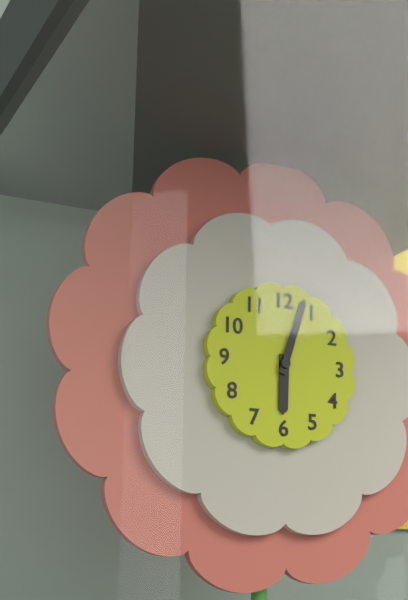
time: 6:03
